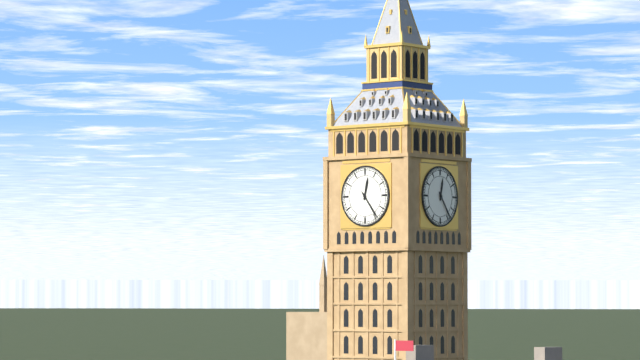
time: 12:24
